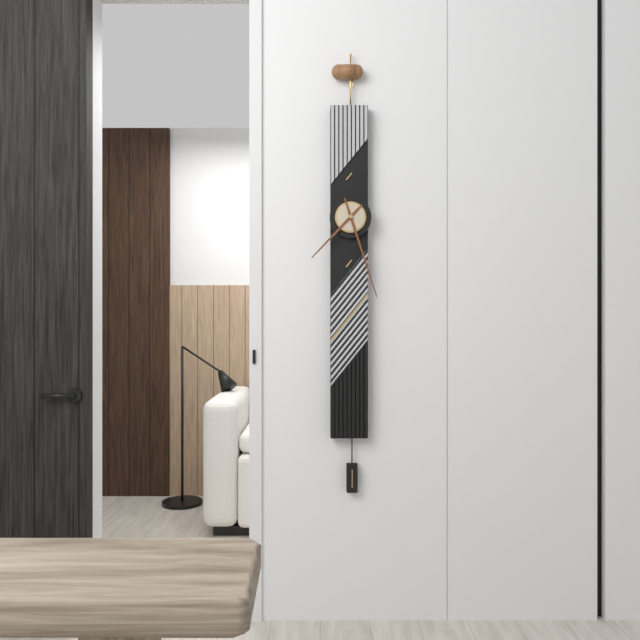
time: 7:27
